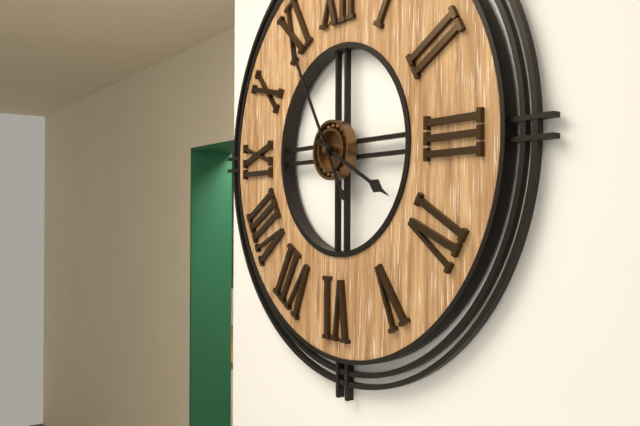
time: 3:55
